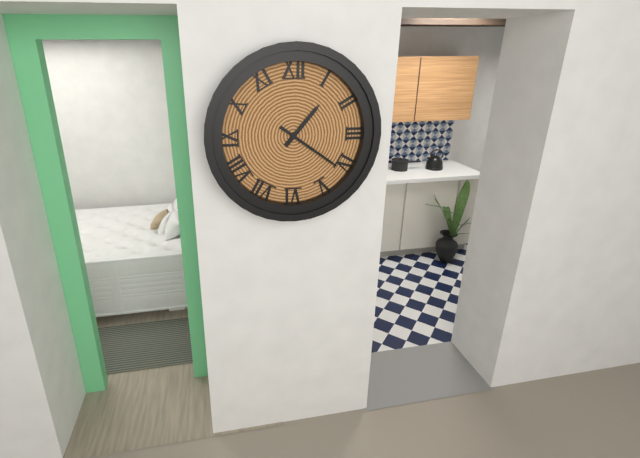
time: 1:21
